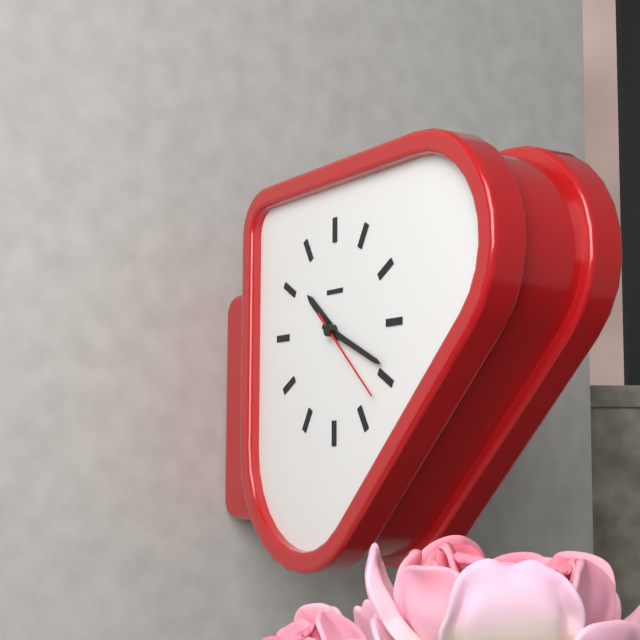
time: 10:19:22
